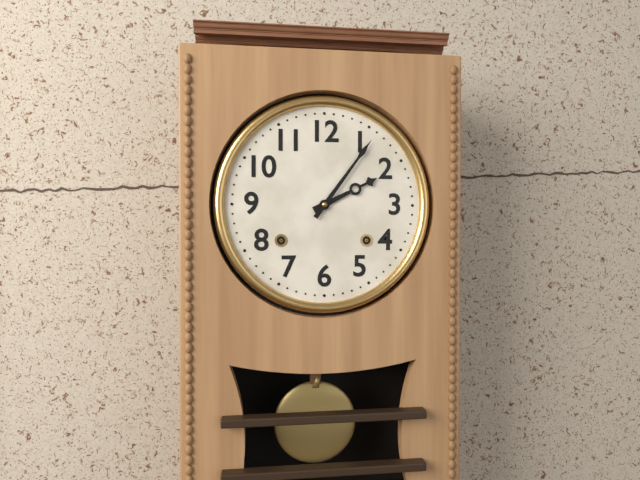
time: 2:06
